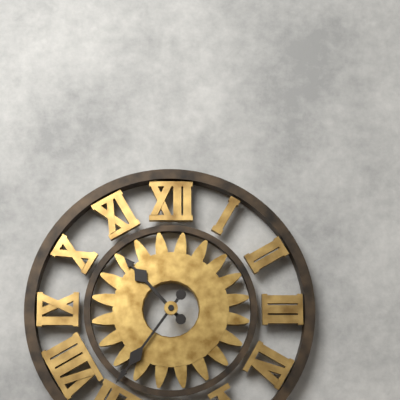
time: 10:36
